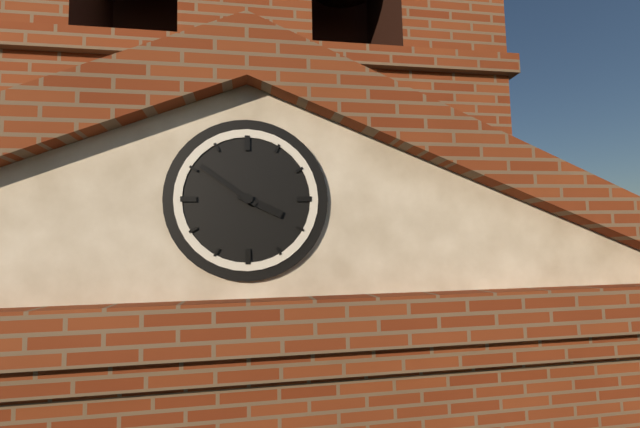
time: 3:51
